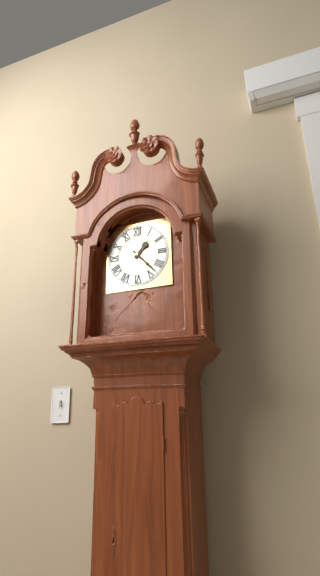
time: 1:23
